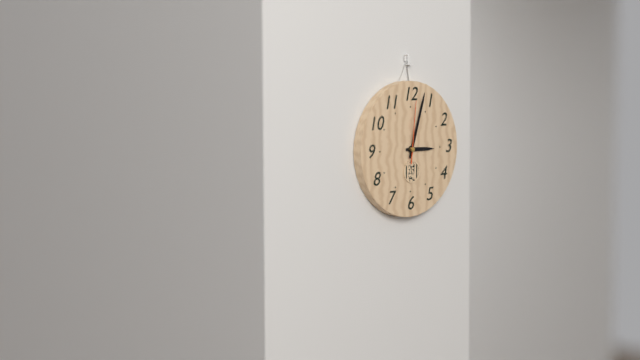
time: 3:03:01
